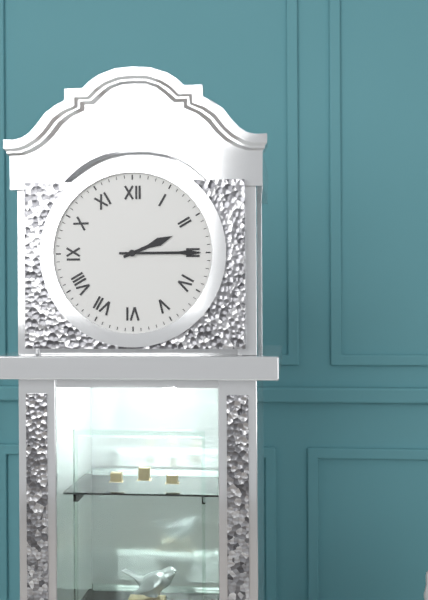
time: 2:15
